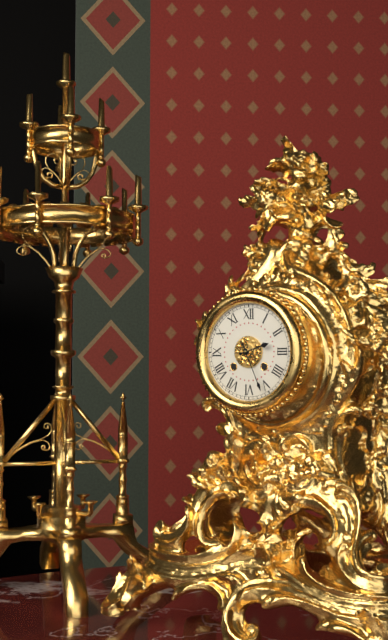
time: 2:26
